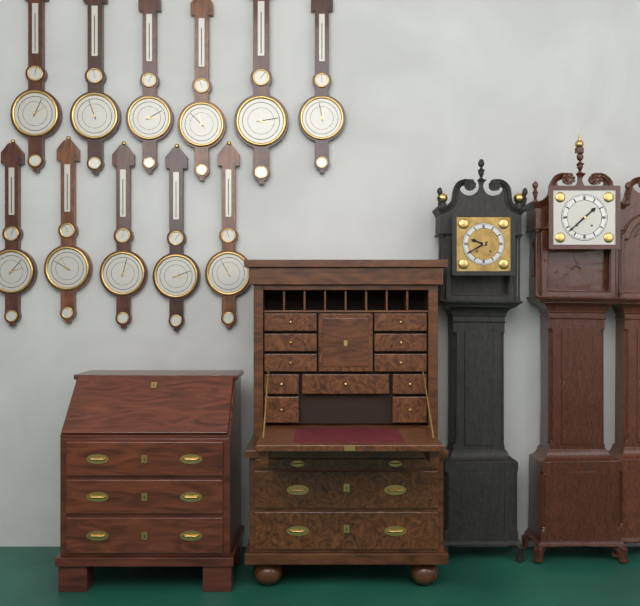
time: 1:38
